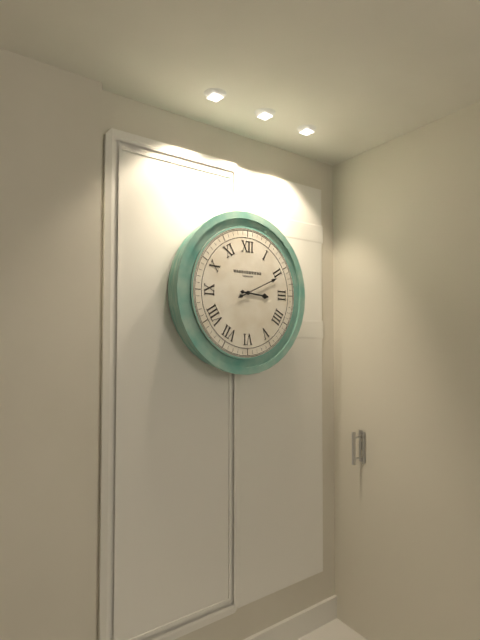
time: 3:11
